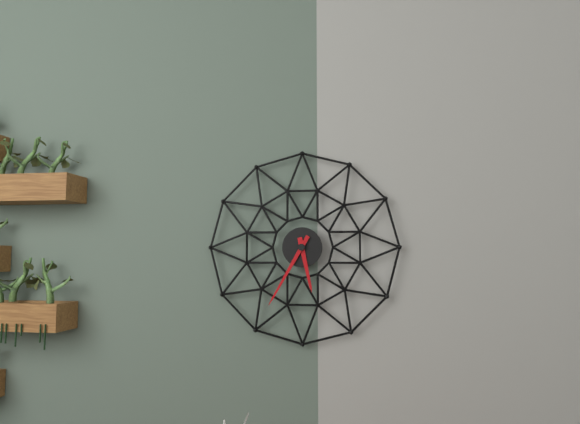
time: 5:35
